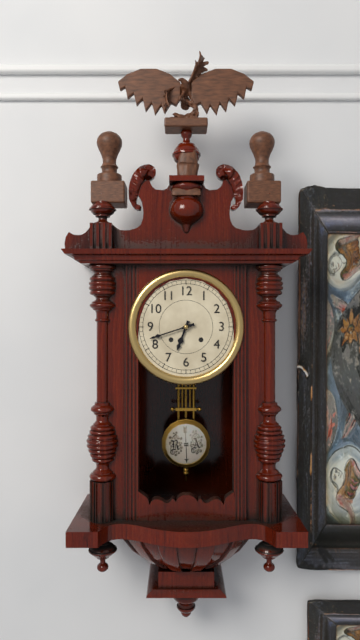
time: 6:42
